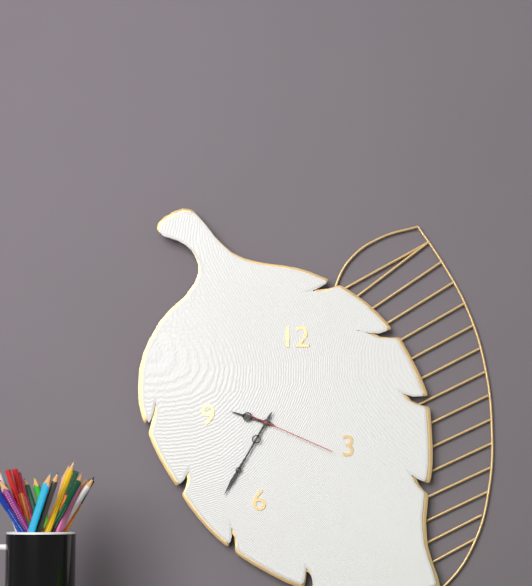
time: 9:35:19
